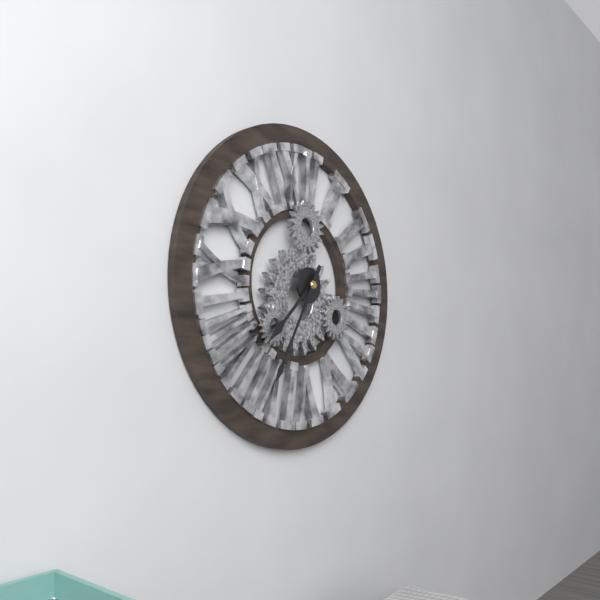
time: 7:35
